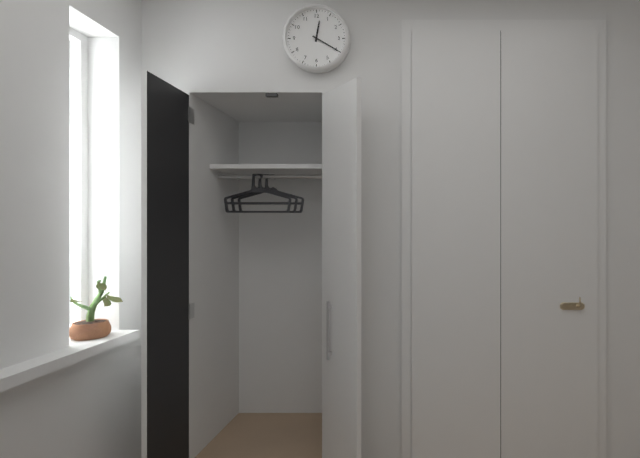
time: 12:20
